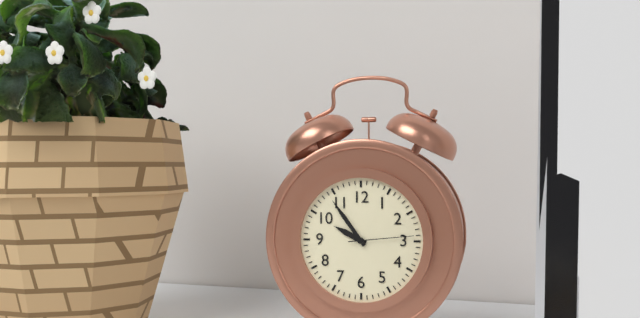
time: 9:54:14
